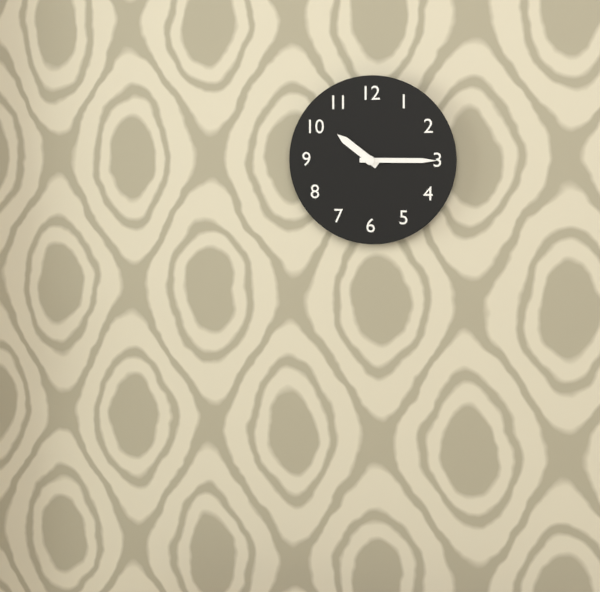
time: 10:15
